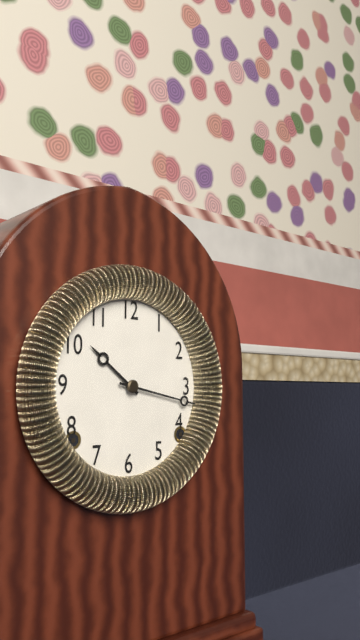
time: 10:17
